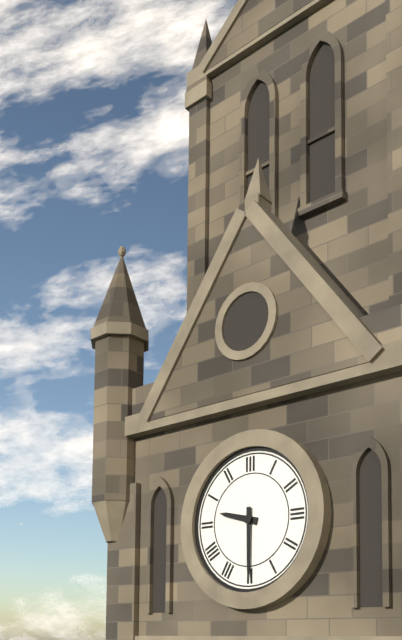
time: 9:30
